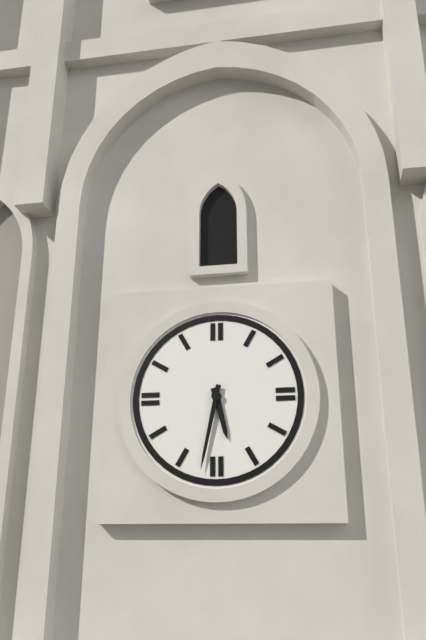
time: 5:32
